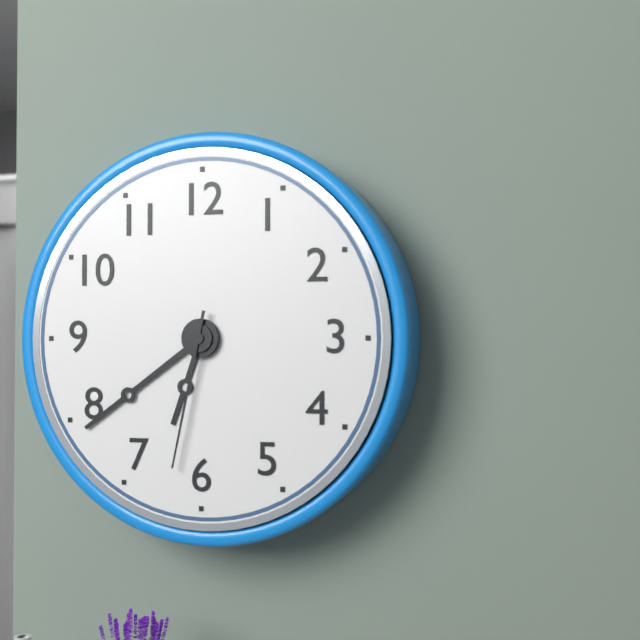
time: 6:39:32
